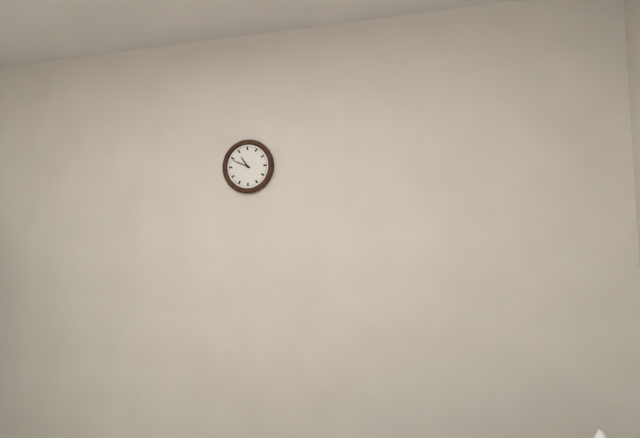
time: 10:49
